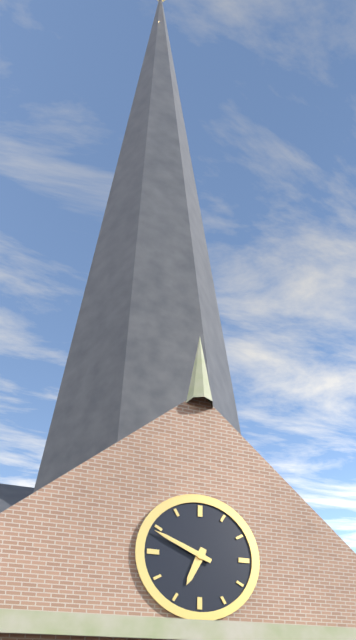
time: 6:49
